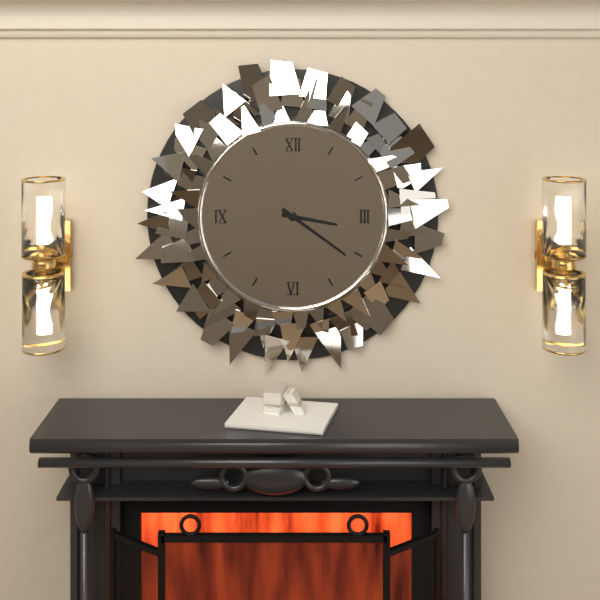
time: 3:21
